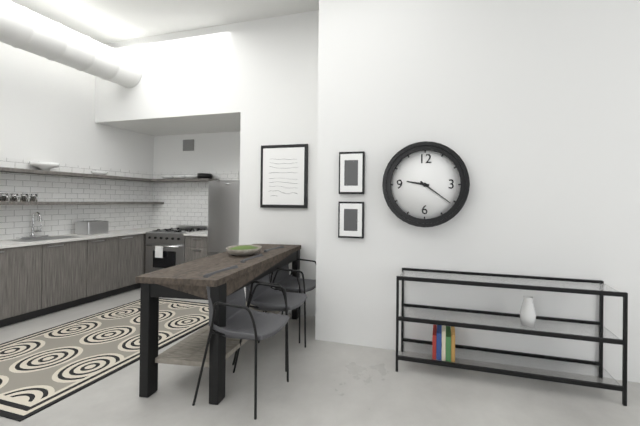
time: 9:21
